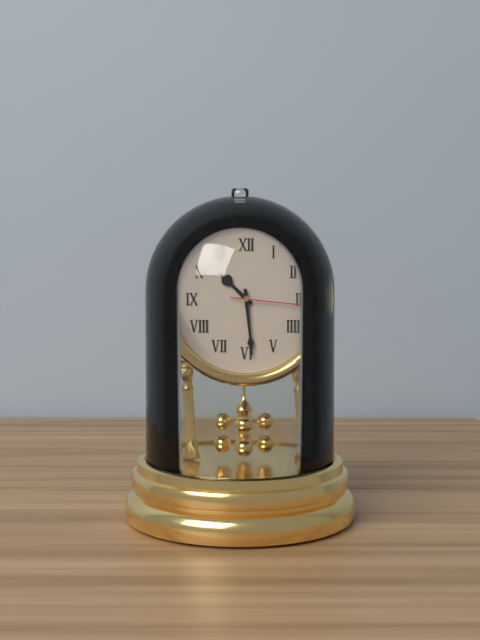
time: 10:29:16
